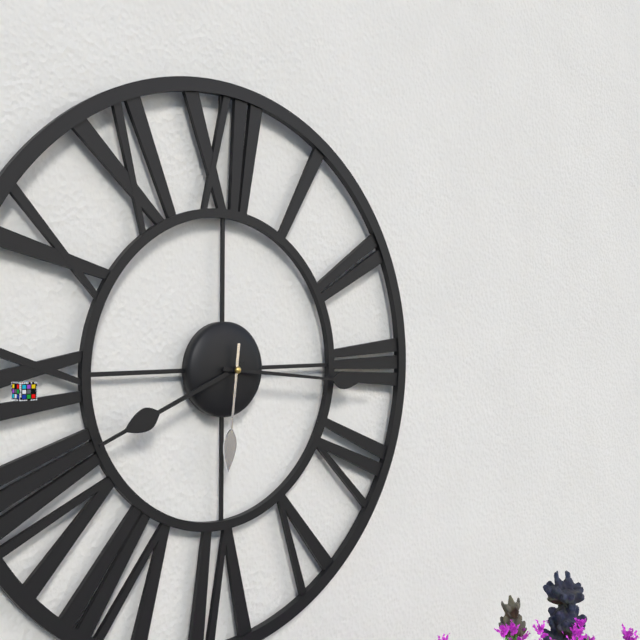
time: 8:16:31
